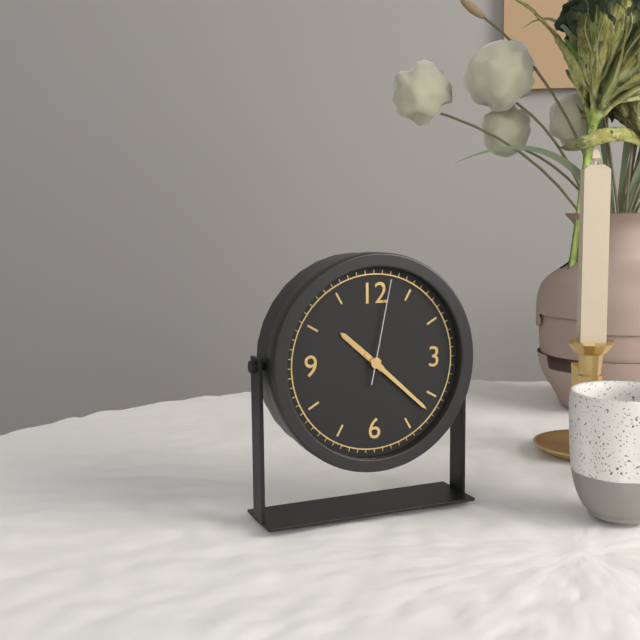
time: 10:22:02
